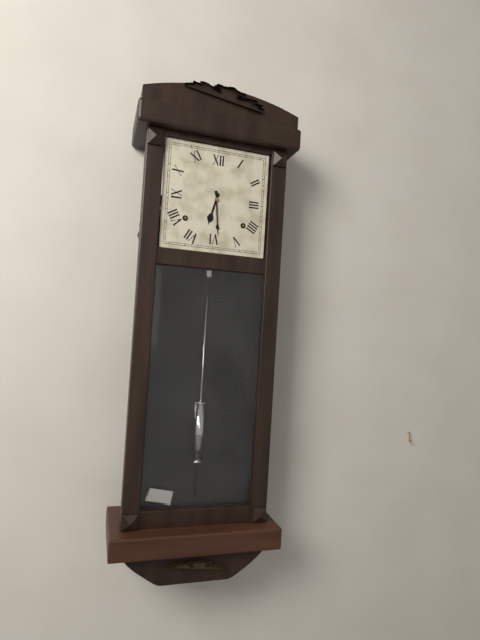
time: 6:29
